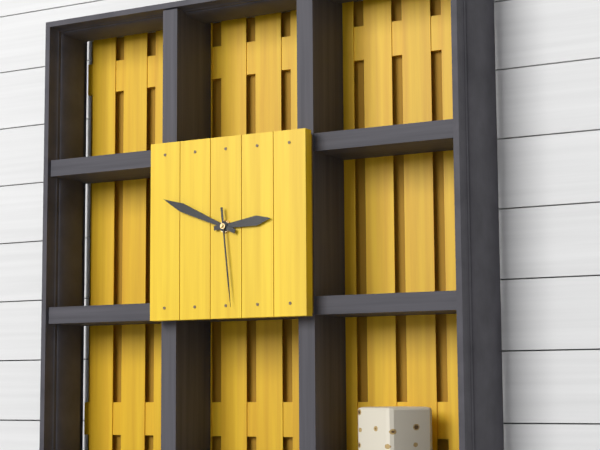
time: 2:49:29
